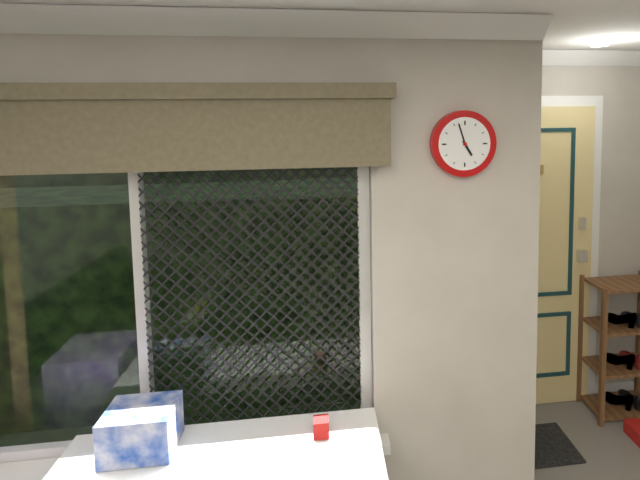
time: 4:57
